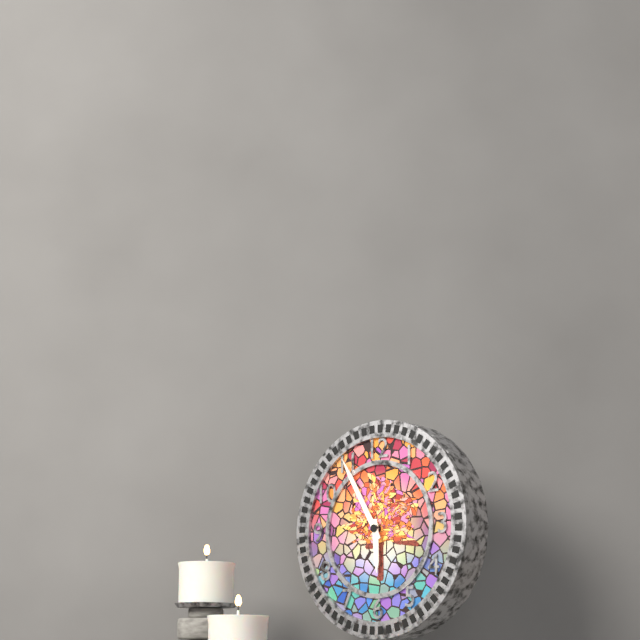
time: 5:55
